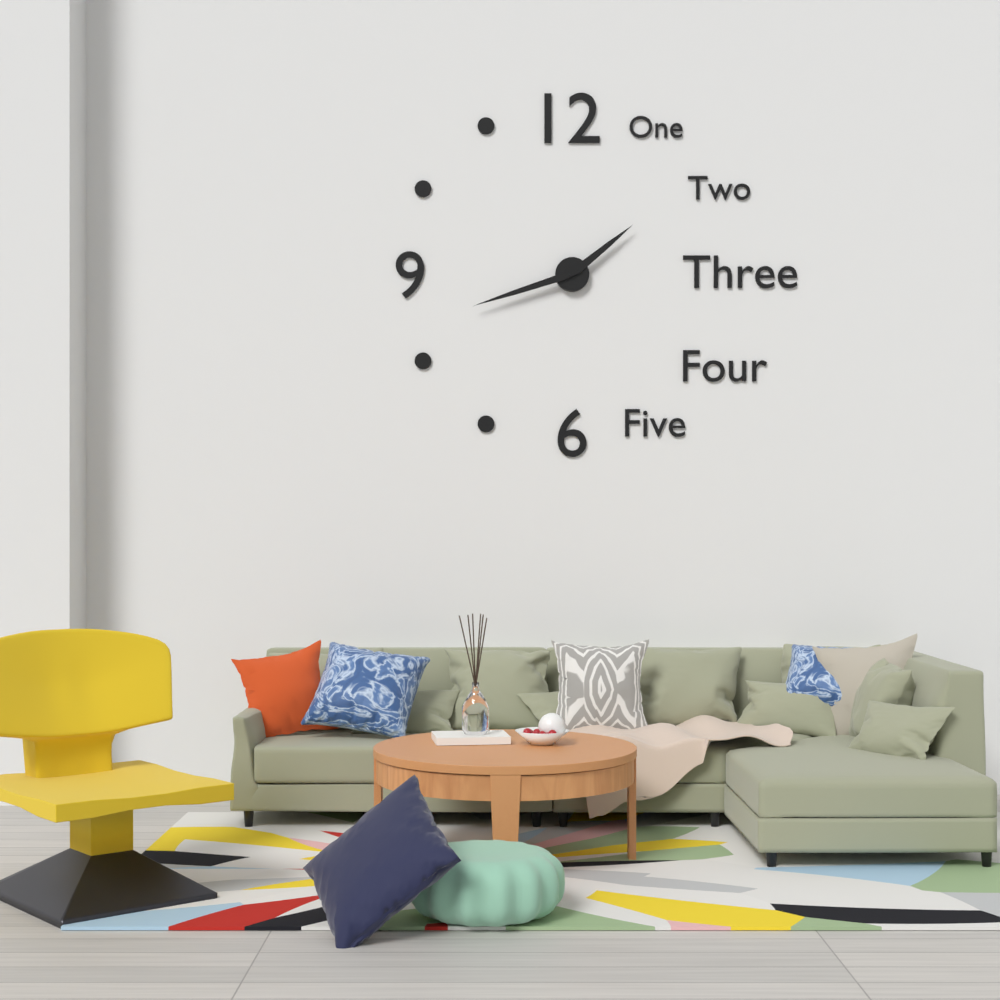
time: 1:42
